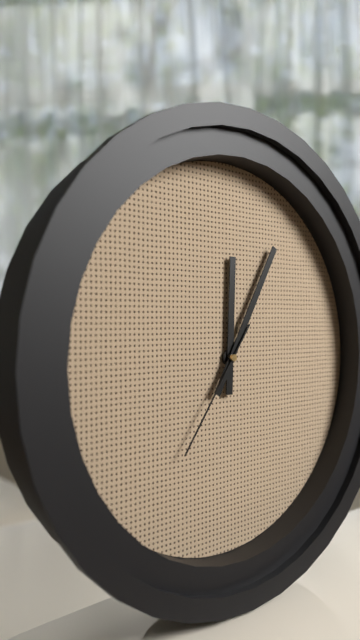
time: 12:05:36
